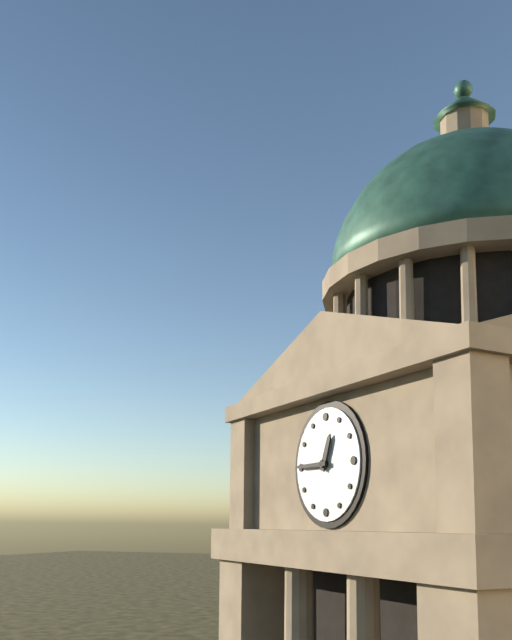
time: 12:45
